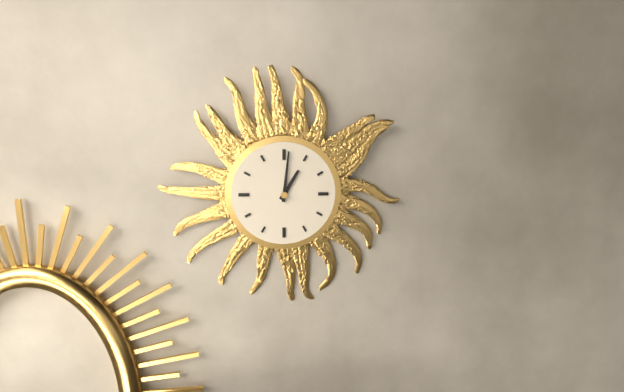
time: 1:01
